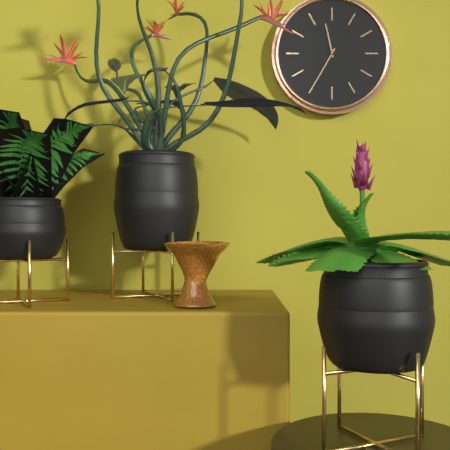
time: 11:35
